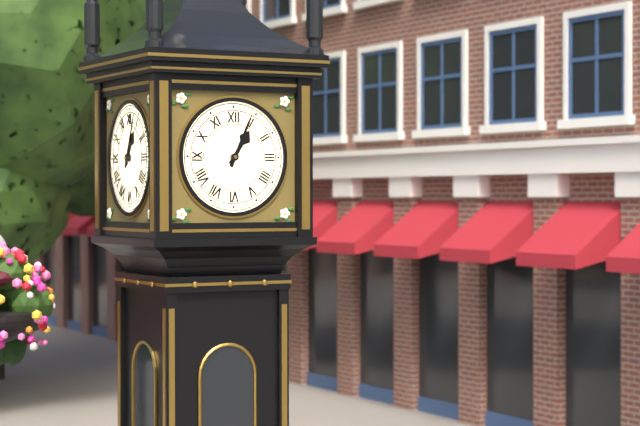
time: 1:04
